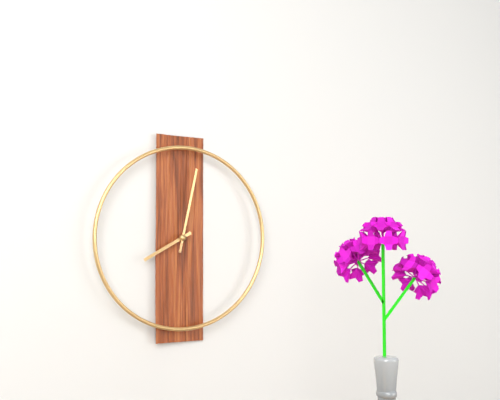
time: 8:02
